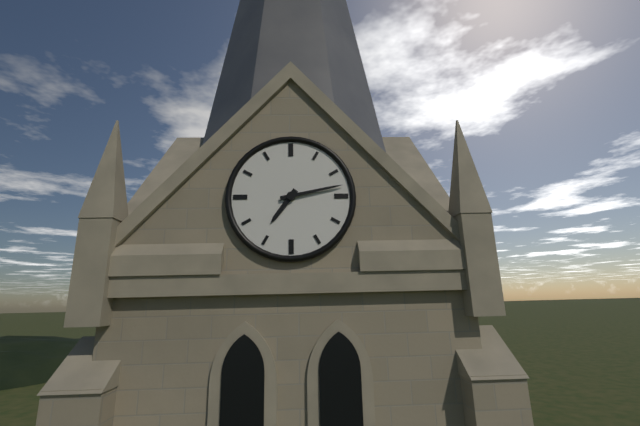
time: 7:13
